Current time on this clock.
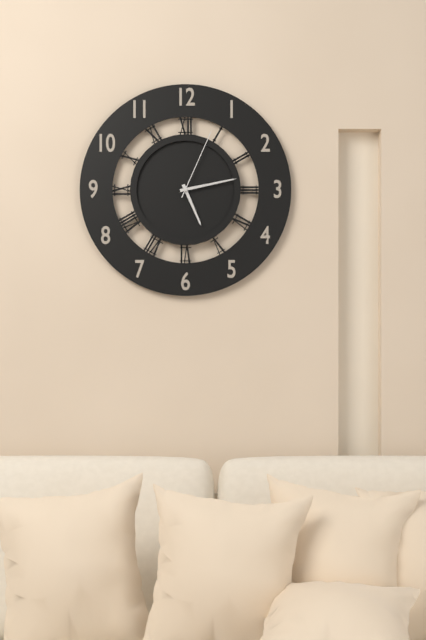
5:13:04
